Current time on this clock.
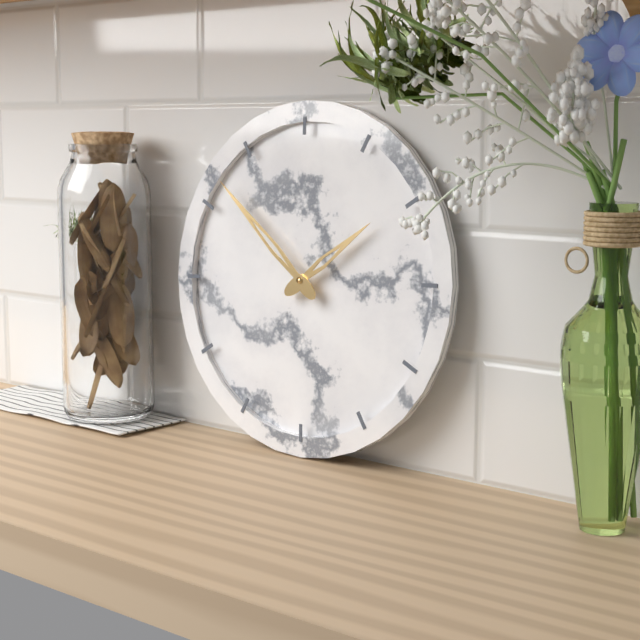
1:52
